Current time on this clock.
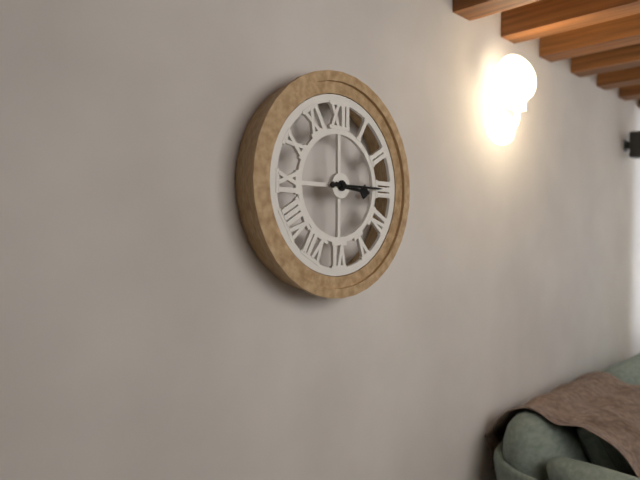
3:15
